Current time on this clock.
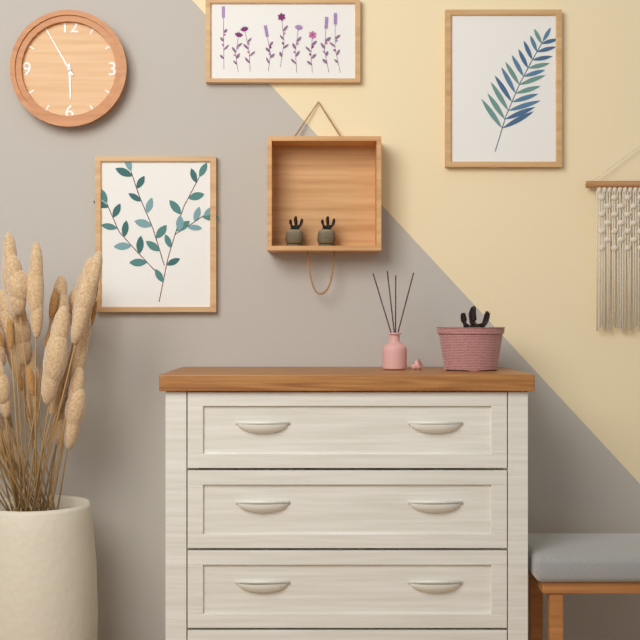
5:55
